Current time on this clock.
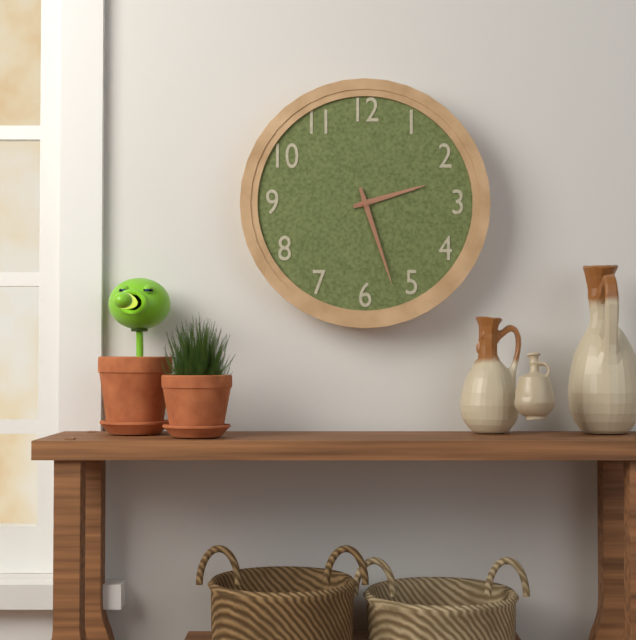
2:27
